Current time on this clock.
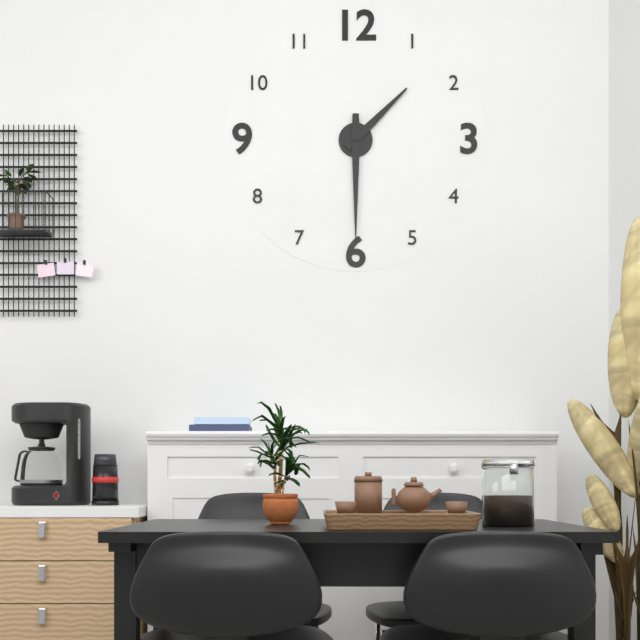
1:30
